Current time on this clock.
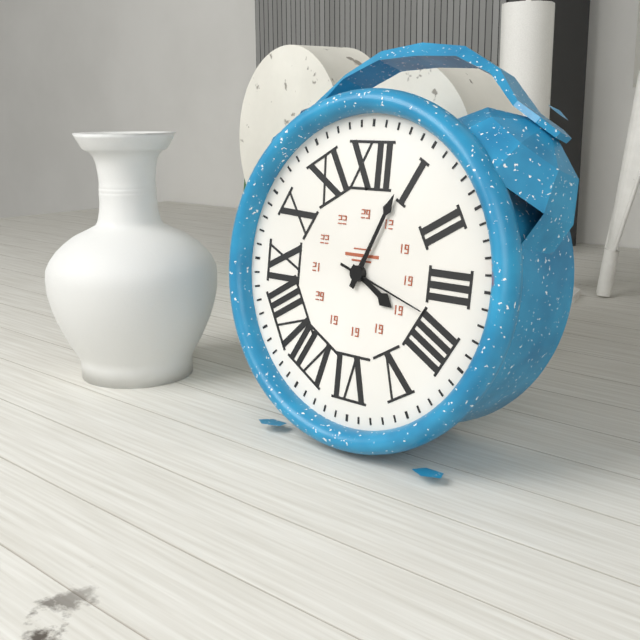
4:04:18
